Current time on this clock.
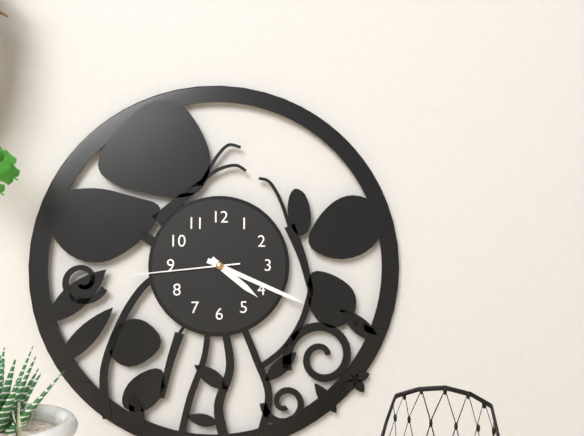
4:19:44
